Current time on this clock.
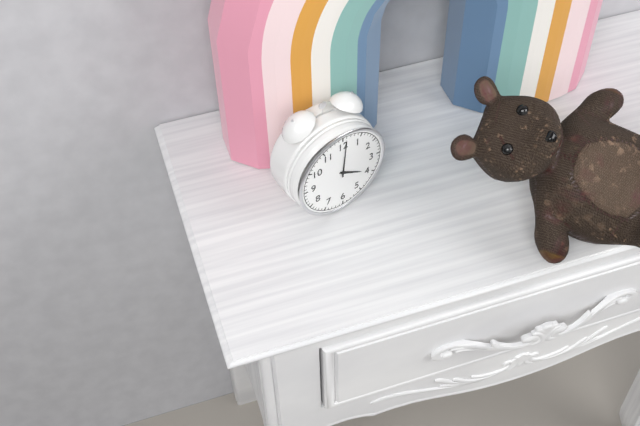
4:01
